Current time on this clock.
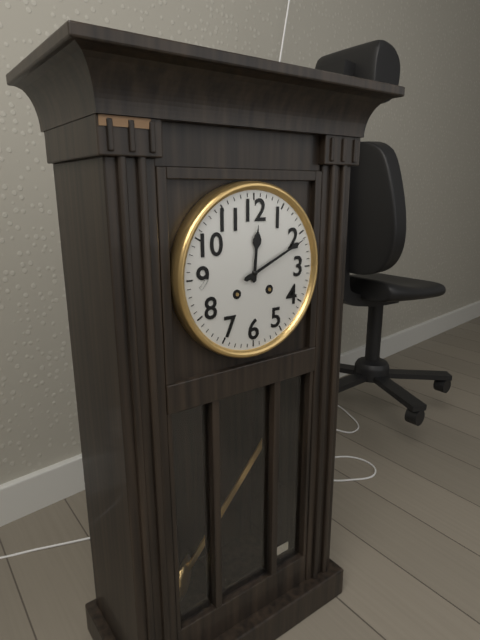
12:11
